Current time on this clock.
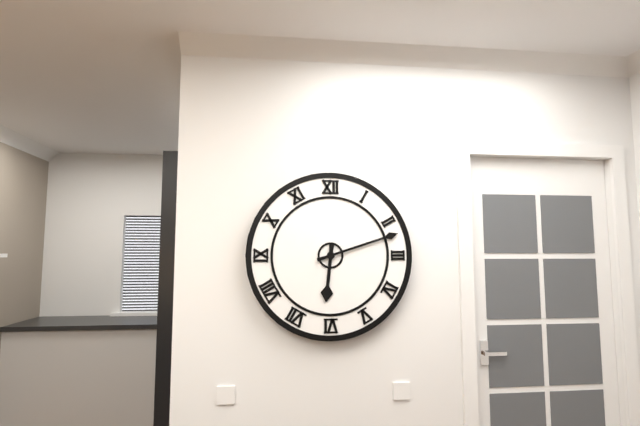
6:12
